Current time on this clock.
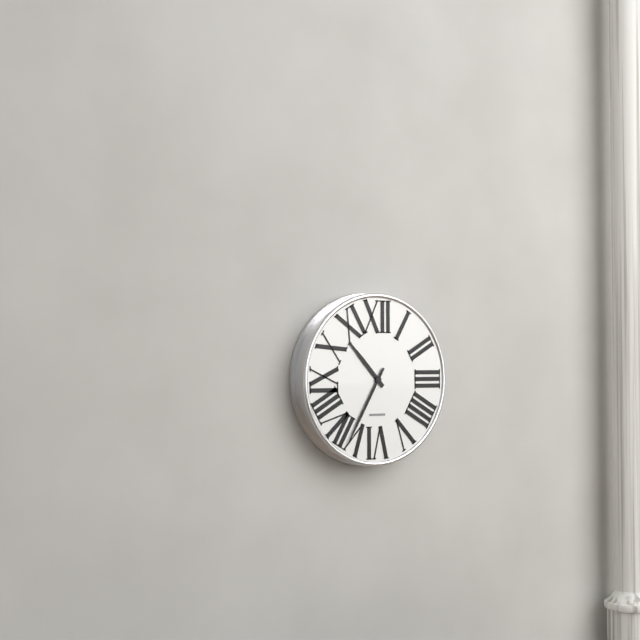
10:35
